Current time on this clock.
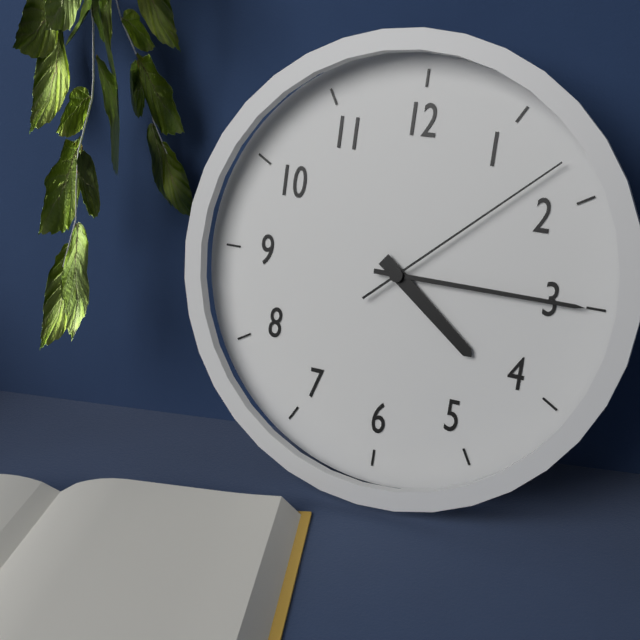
4:15:08
